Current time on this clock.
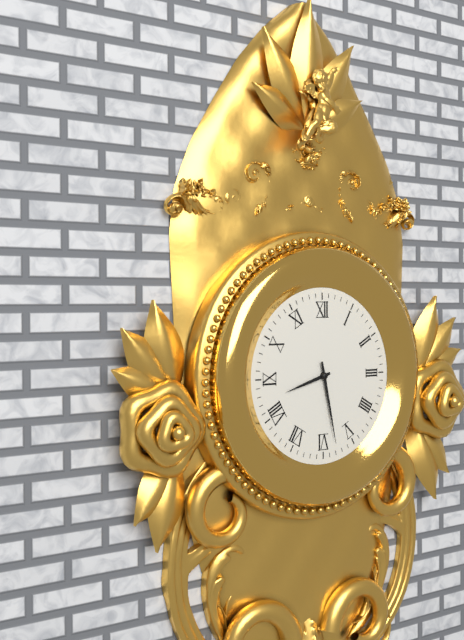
8:28
